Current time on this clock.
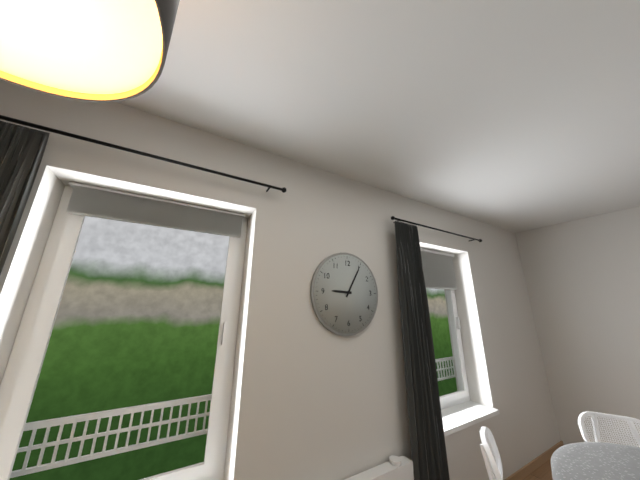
9:05
